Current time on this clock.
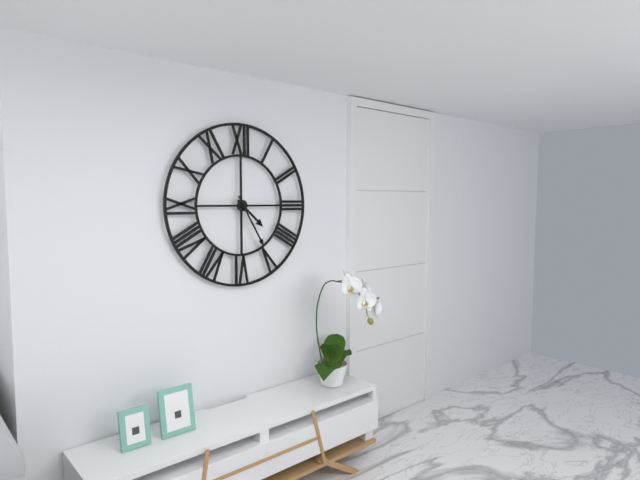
4:25
